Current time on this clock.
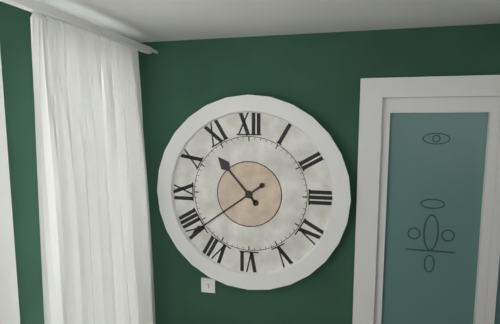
10:39
